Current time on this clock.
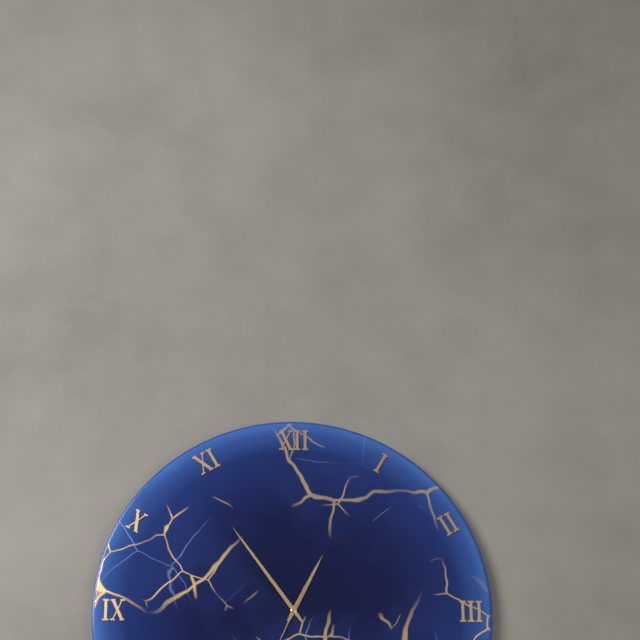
12:54
